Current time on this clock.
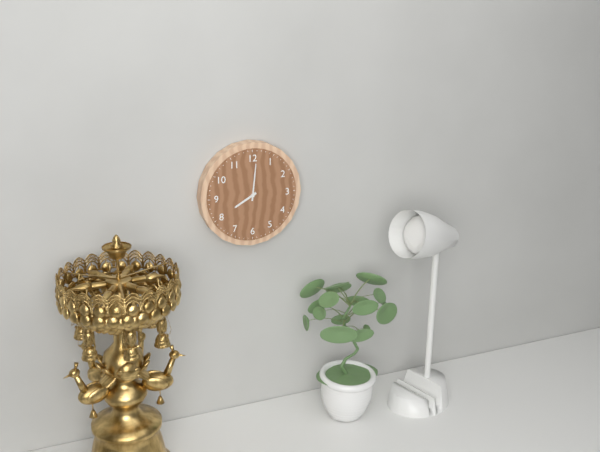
8:01
